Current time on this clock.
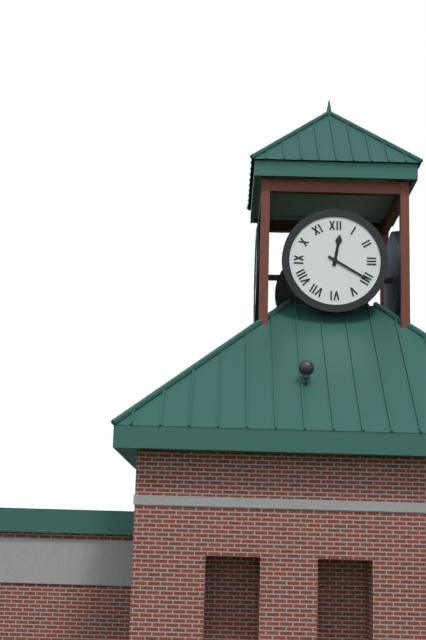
12:20
